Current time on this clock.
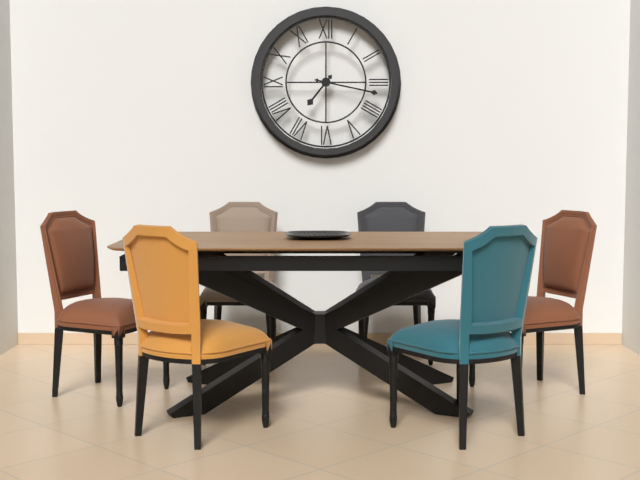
7:17
